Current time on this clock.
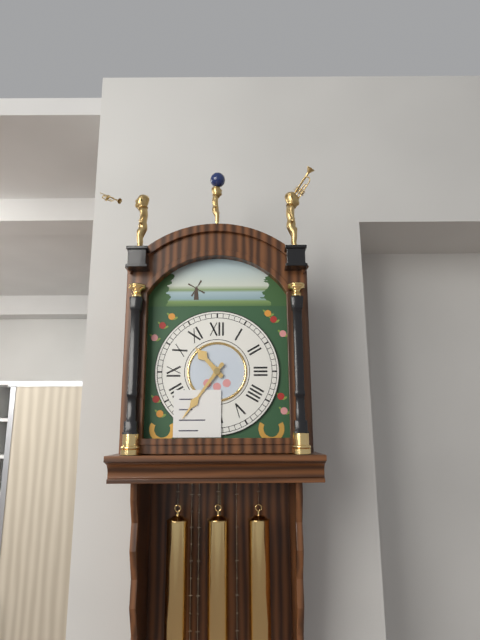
10:36
